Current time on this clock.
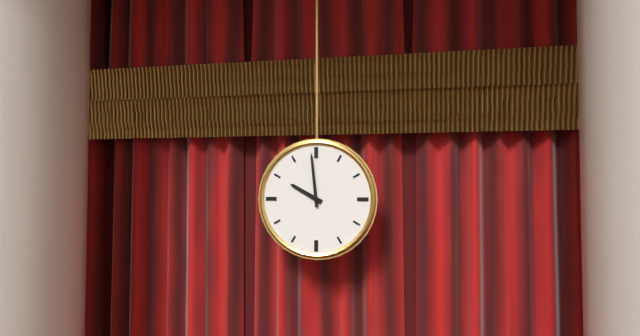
9:59
